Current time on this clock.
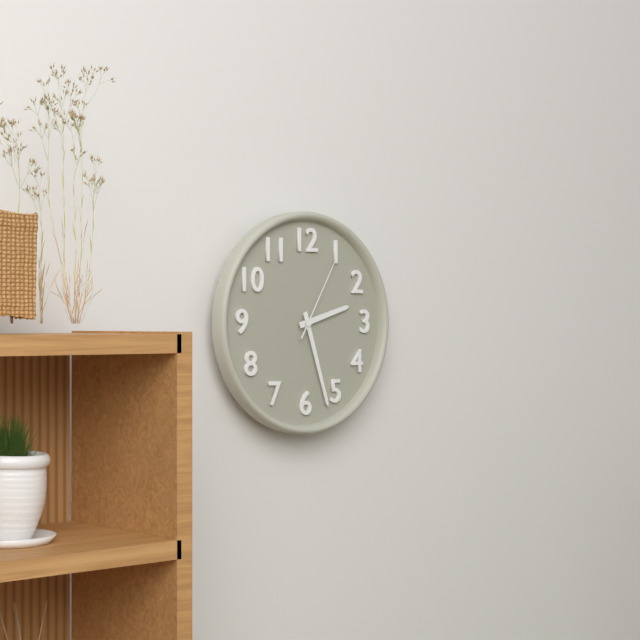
2:27:05
